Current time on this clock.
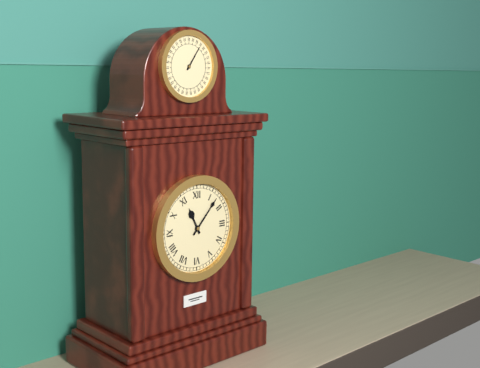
11:07
